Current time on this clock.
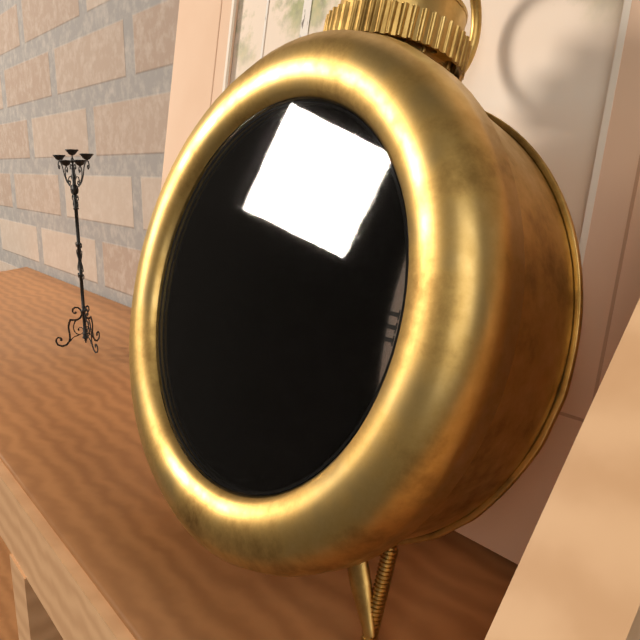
8:19:45
